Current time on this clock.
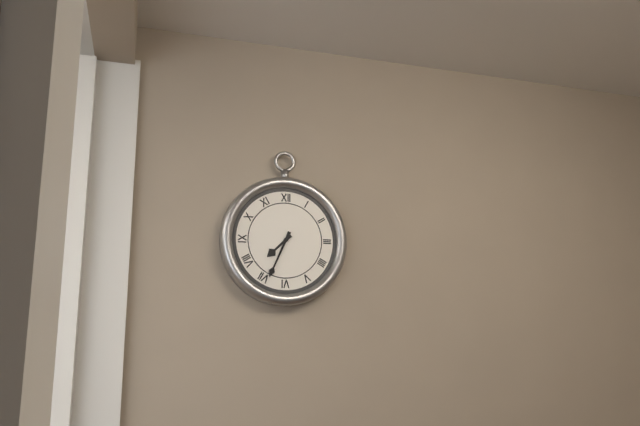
7:34
